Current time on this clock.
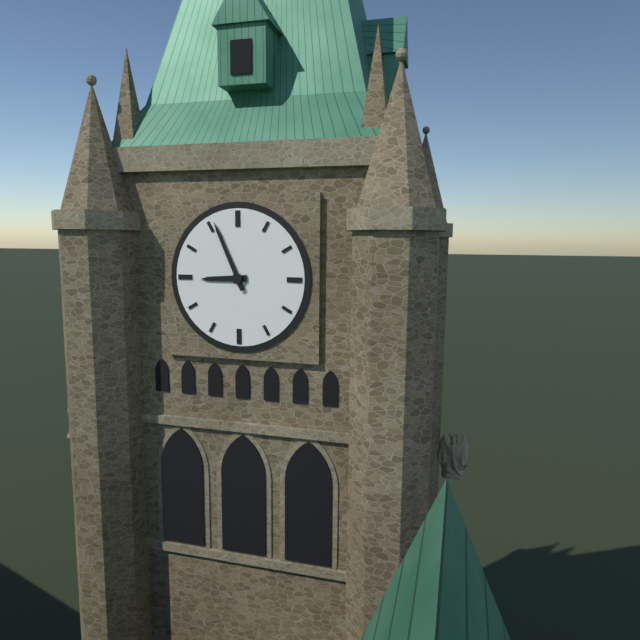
8:56
